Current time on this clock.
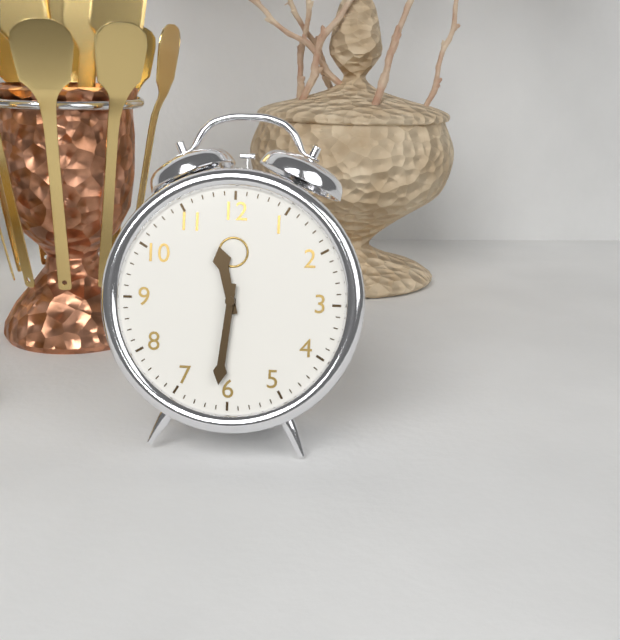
11:31
